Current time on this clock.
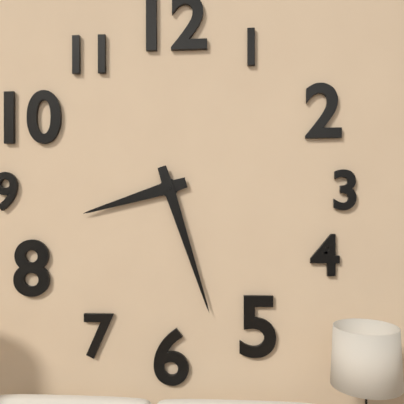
8:27
